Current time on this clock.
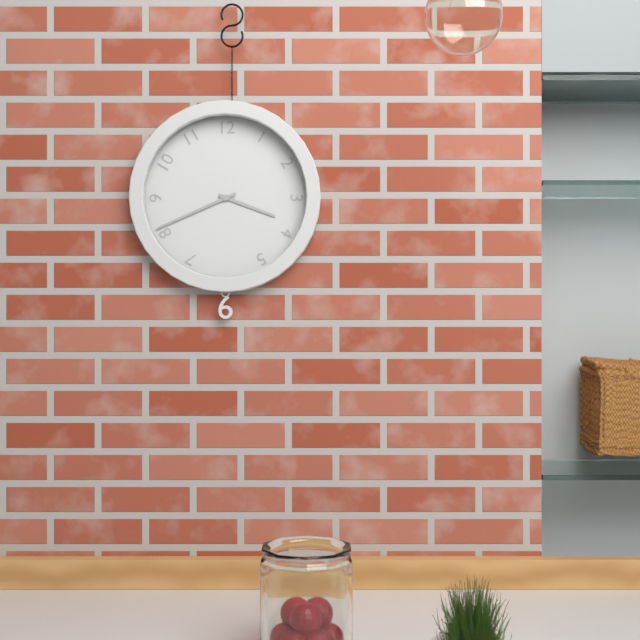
3:41
